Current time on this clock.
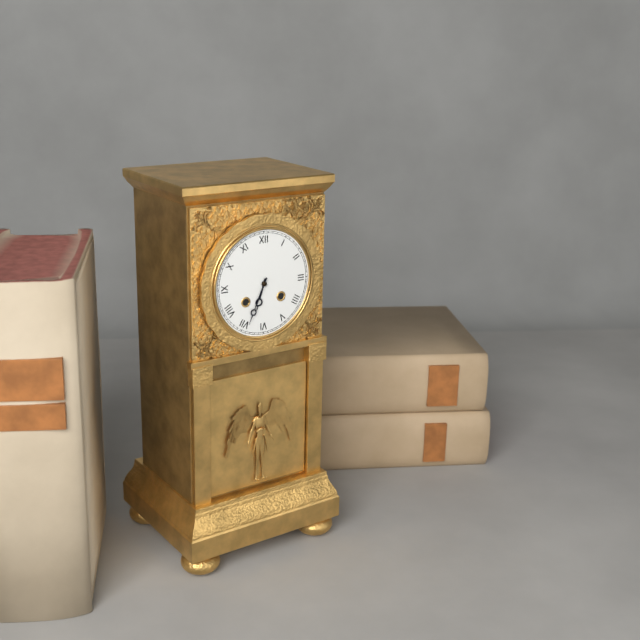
6:34
